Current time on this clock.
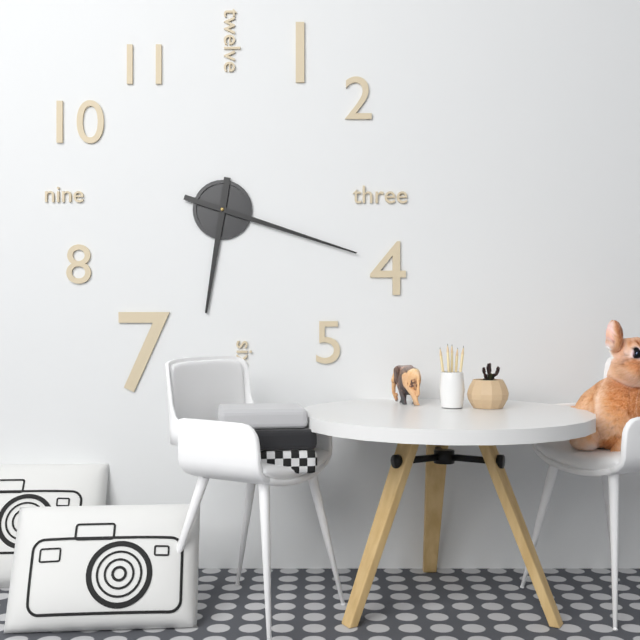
6:18
